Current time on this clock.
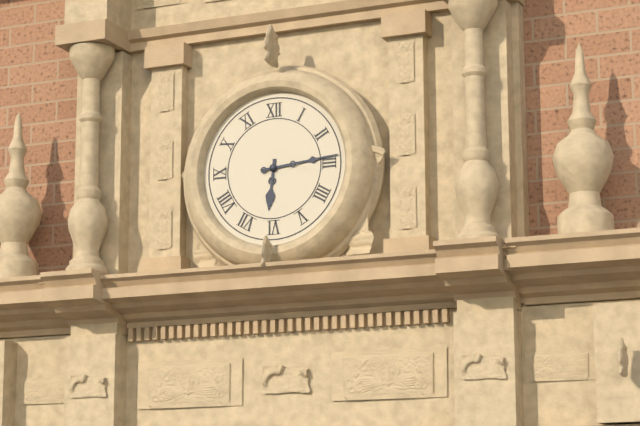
6:14
